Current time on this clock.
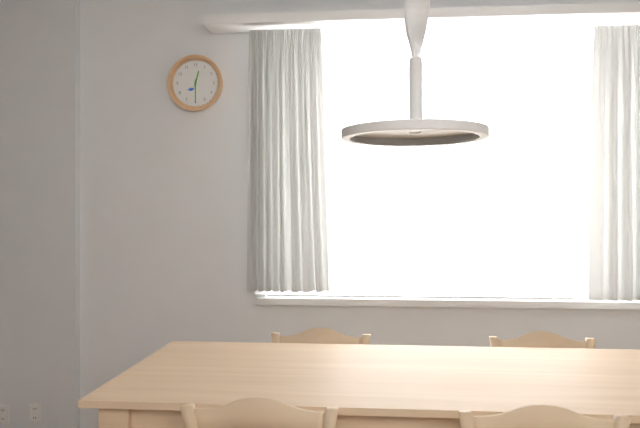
12:30
